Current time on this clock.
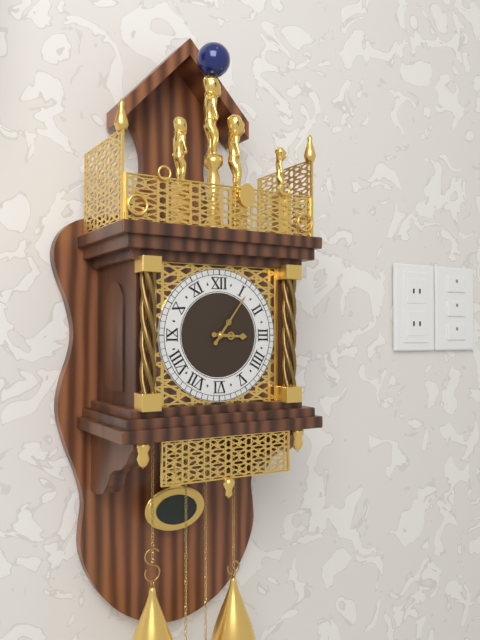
3:06
